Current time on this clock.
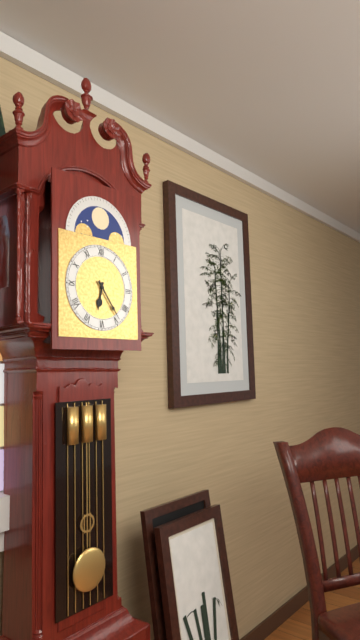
6:24
